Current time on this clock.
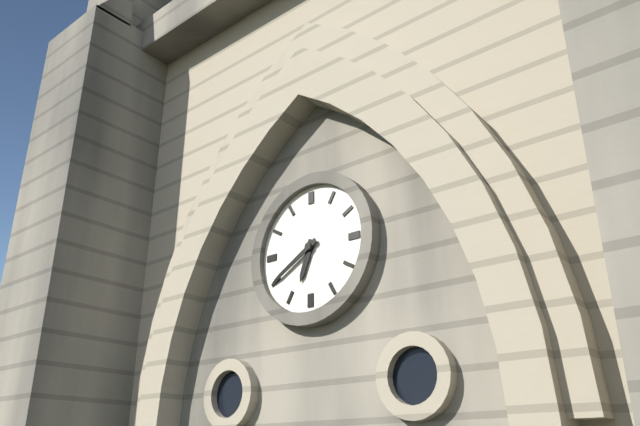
6:40
